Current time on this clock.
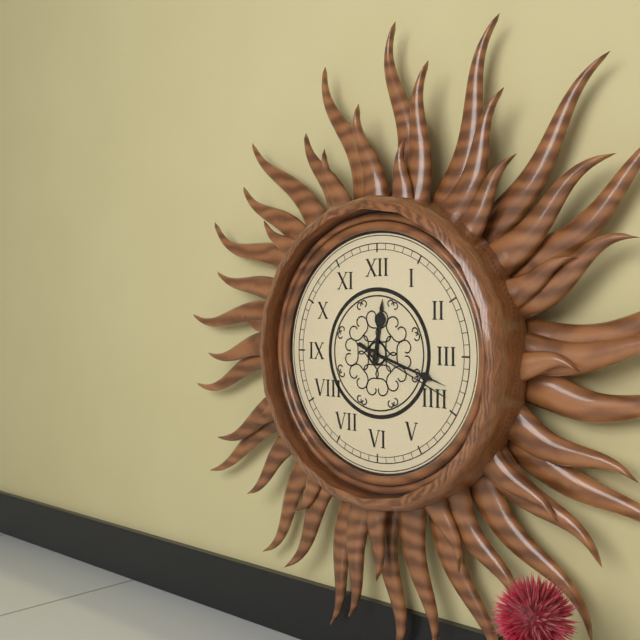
12:18:19
